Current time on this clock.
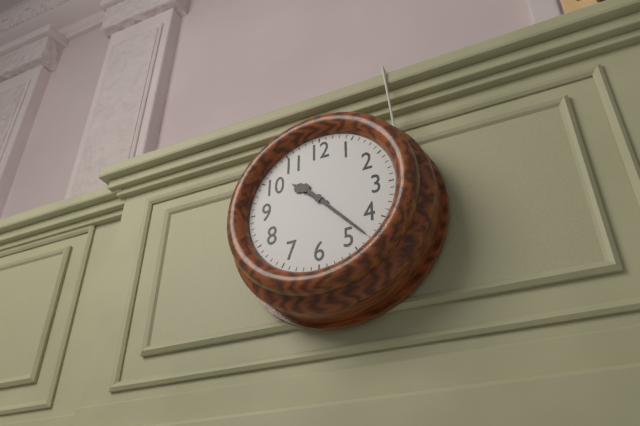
10:23
